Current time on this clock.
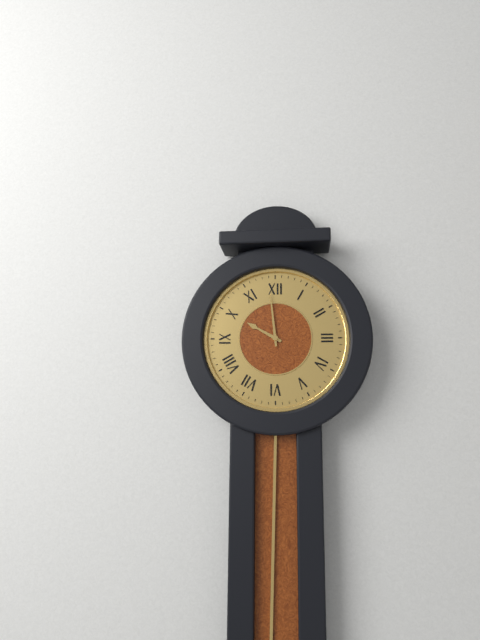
9:59
